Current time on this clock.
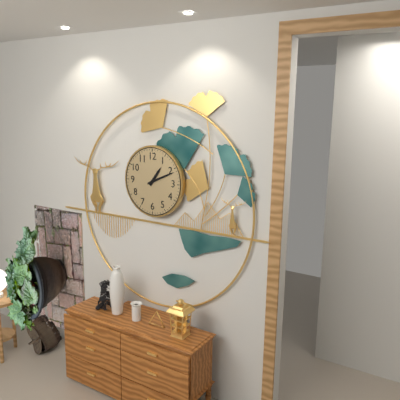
1:11
